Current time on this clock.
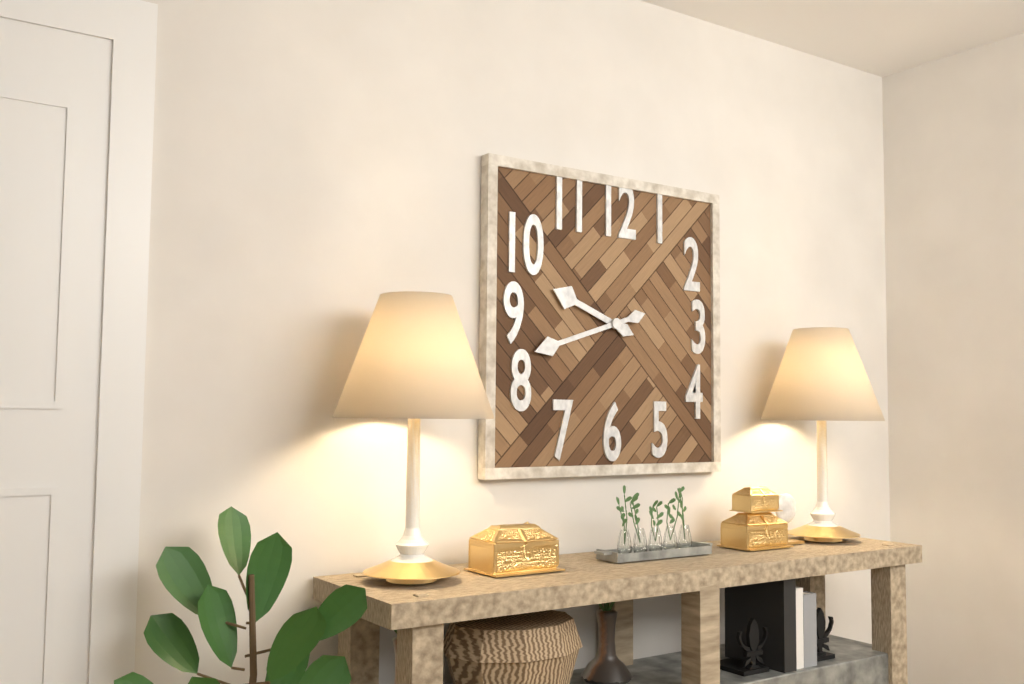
9:42
